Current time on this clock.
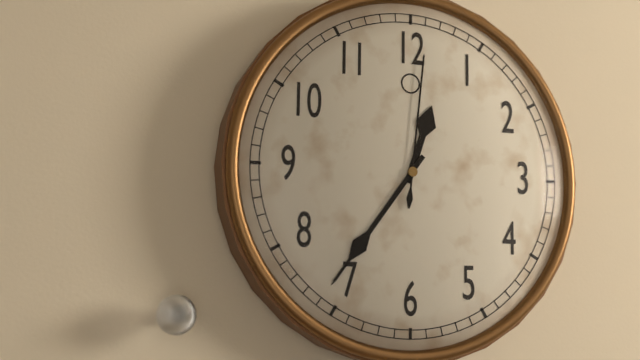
12:36:01
